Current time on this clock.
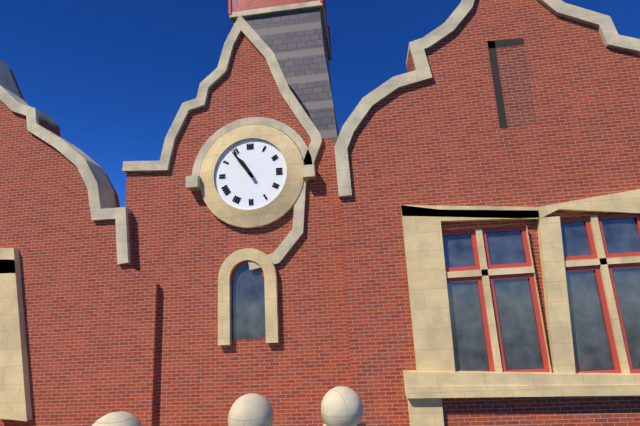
10:54
